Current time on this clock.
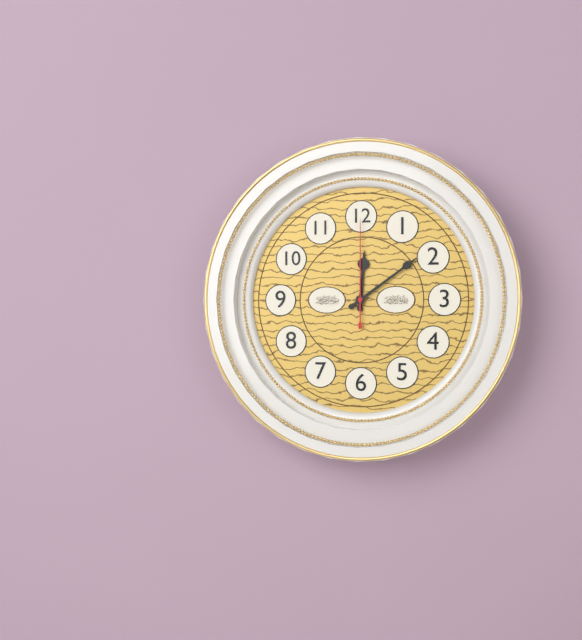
12:09:00
